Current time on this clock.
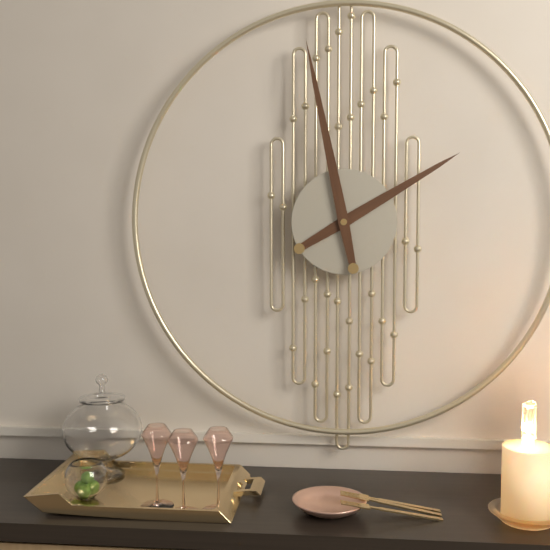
1:58
